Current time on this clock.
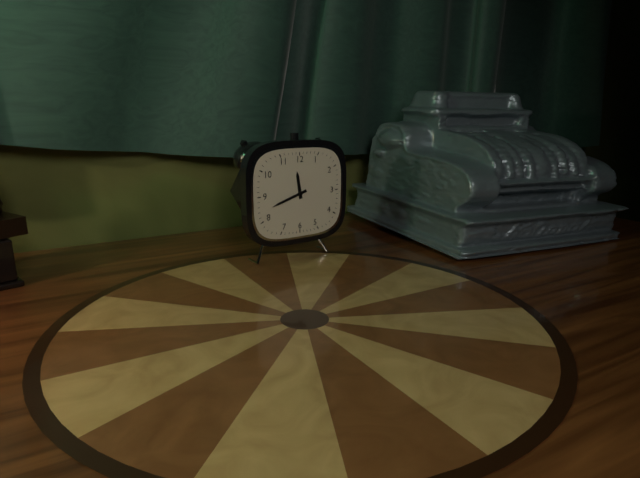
11:42
